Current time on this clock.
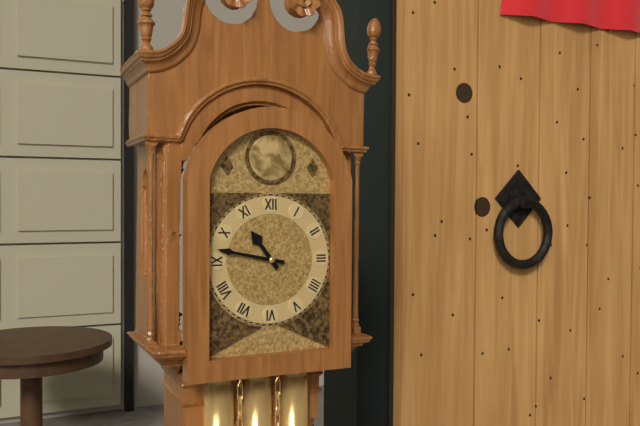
10:47
